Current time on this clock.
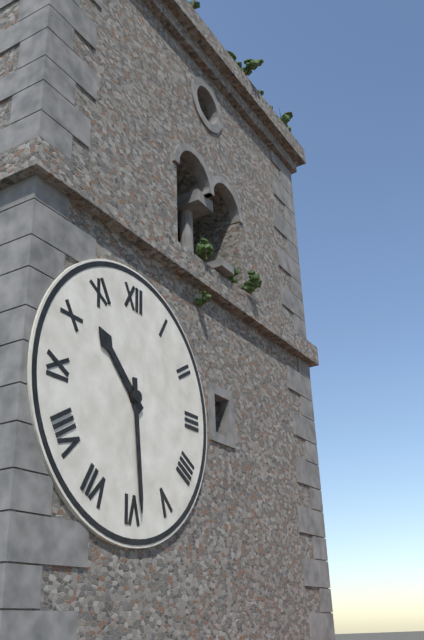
10:29
